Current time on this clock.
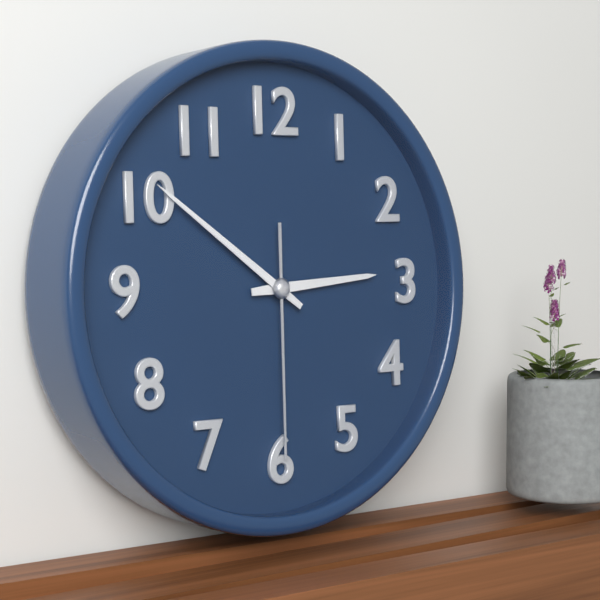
2:51:30
